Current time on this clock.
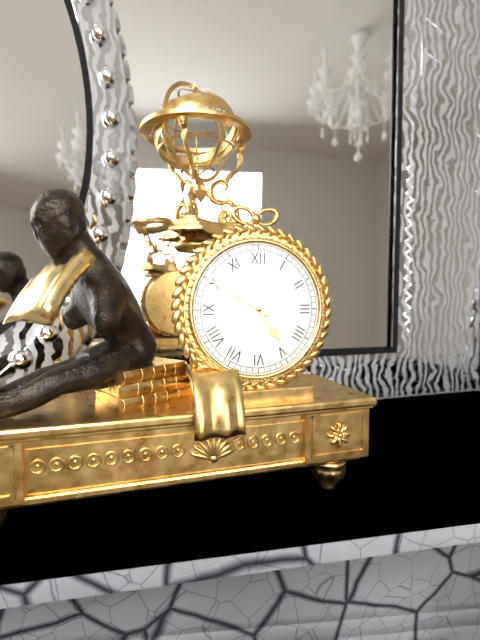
4:50
